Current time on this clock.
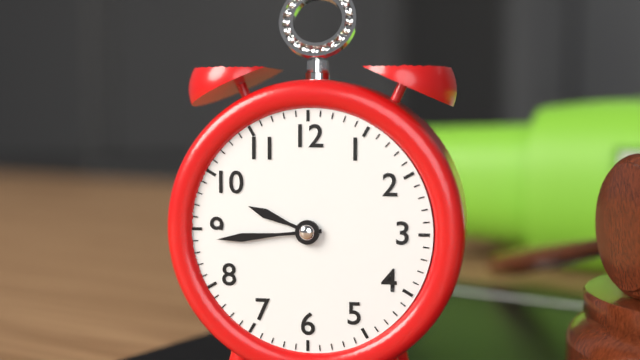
9:44
